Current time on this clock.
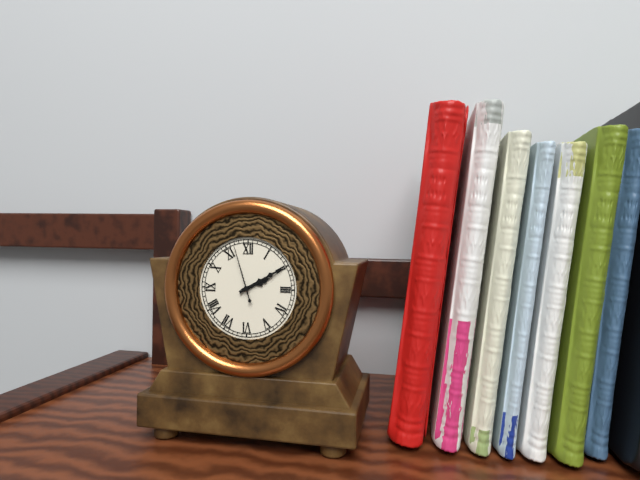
2:10:57
